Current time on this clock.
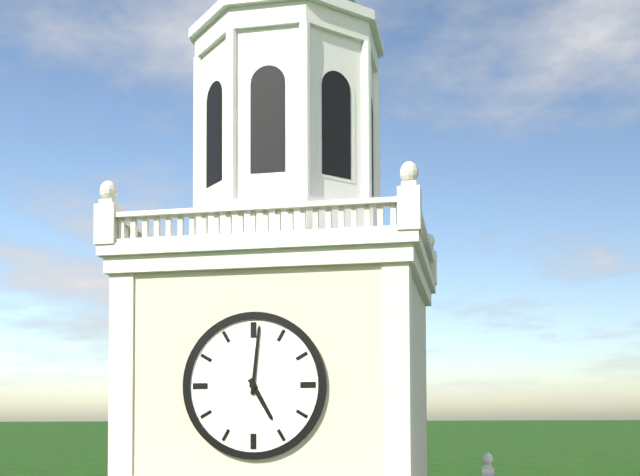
5:01
